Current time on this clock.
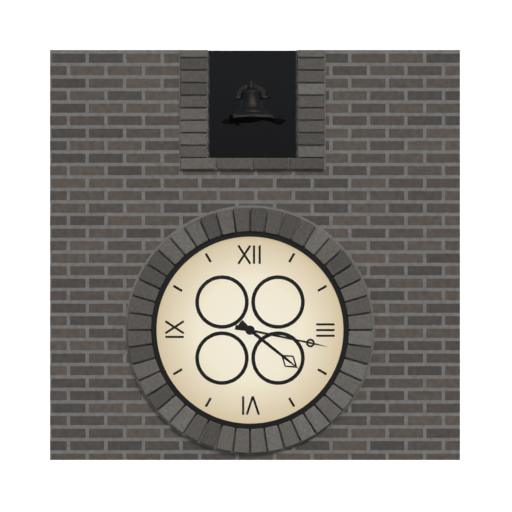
4:17
